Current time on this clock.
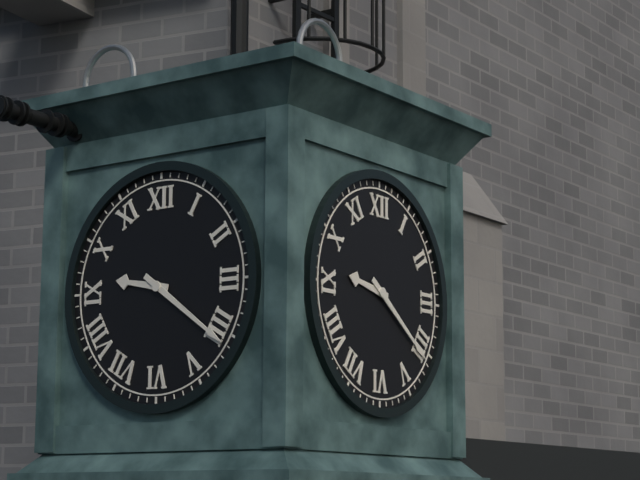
9:21
